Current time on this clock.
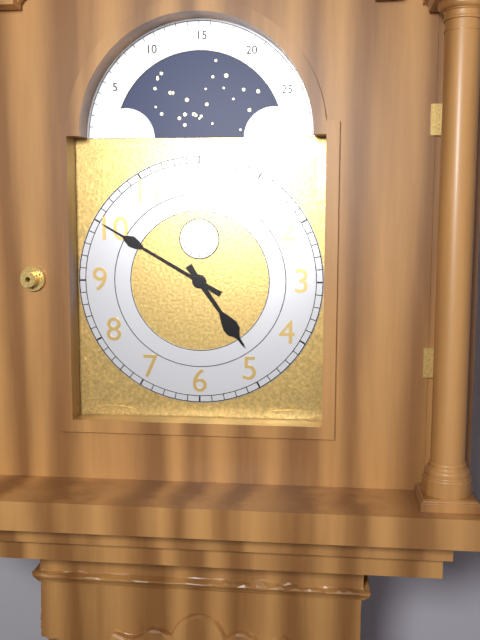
4:50
